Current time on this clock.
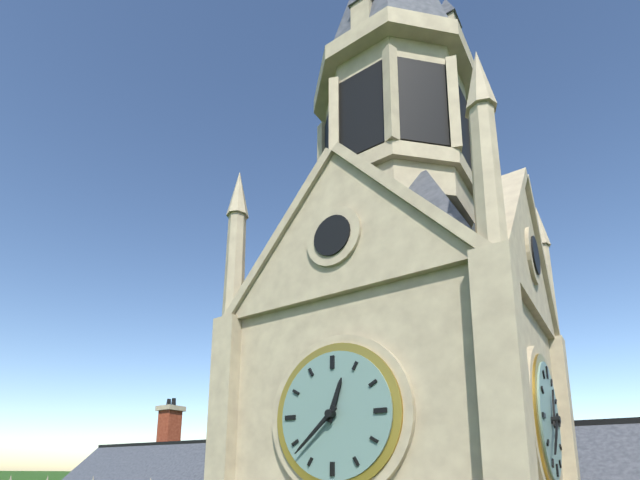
12:38
